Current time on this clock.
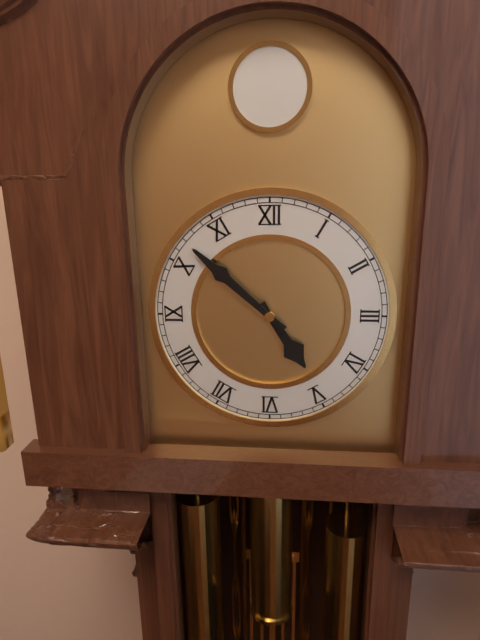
4:52
